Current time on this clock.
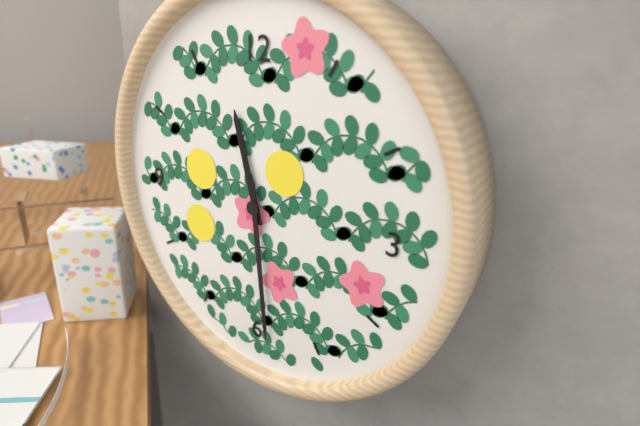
11:29
